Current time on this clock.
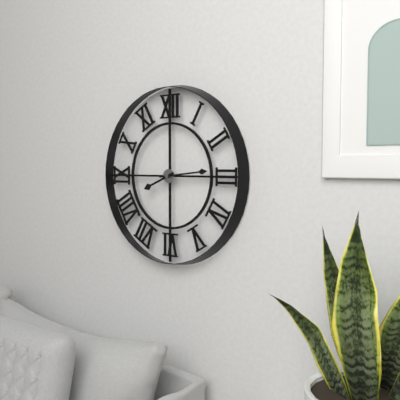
8:14
